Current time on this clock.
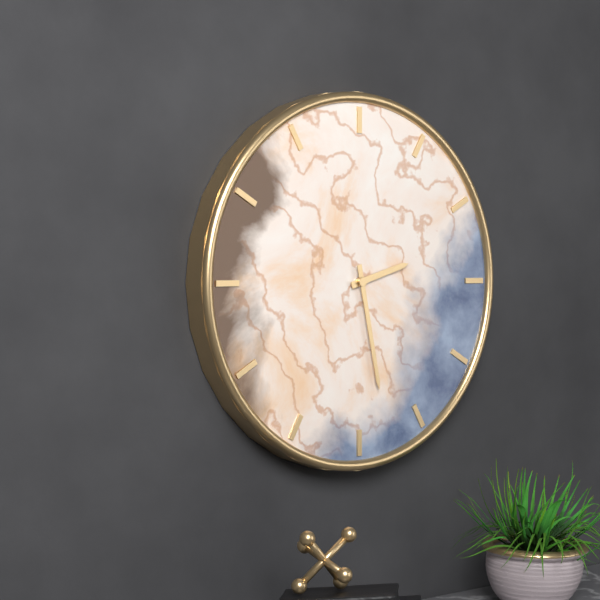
2:28
